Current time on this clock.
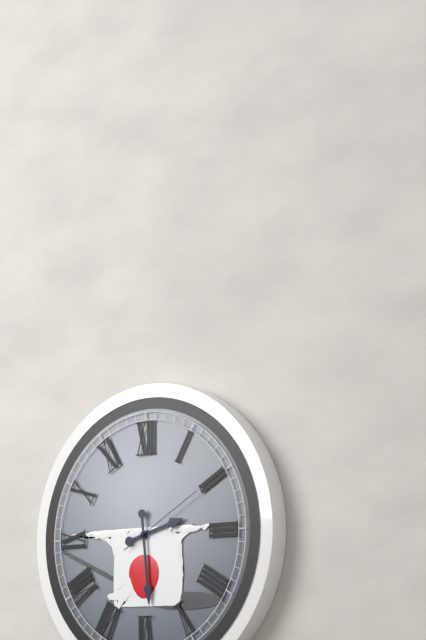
2:29:10
